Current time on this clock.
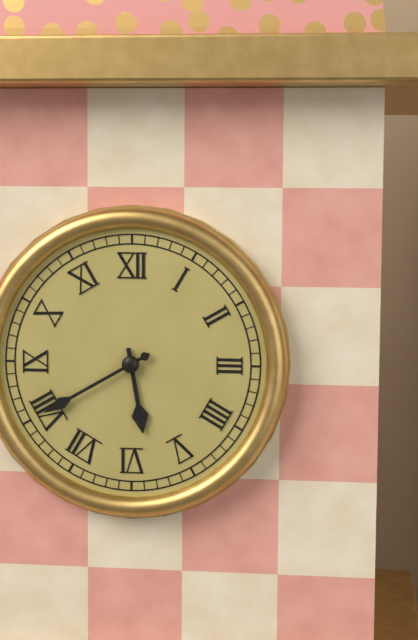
5:40
